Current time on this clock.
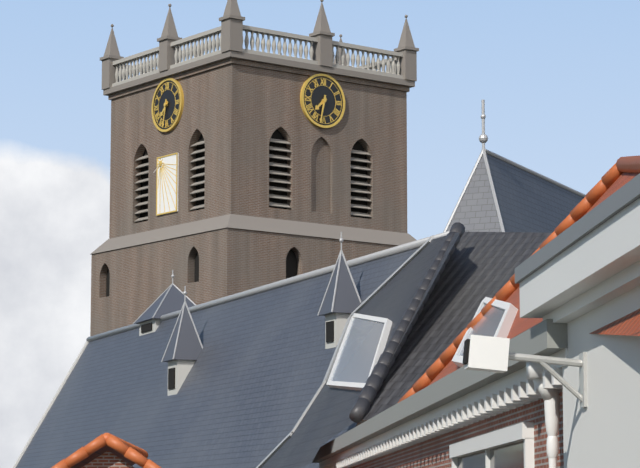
7:32
